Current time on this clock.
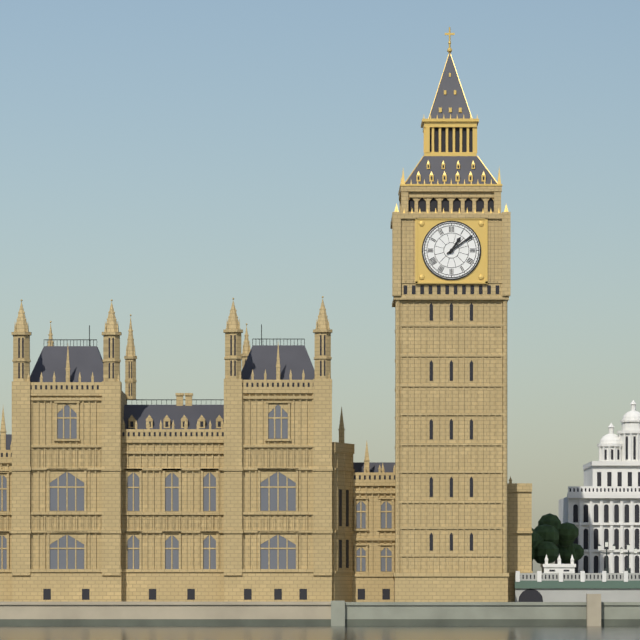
1:09
